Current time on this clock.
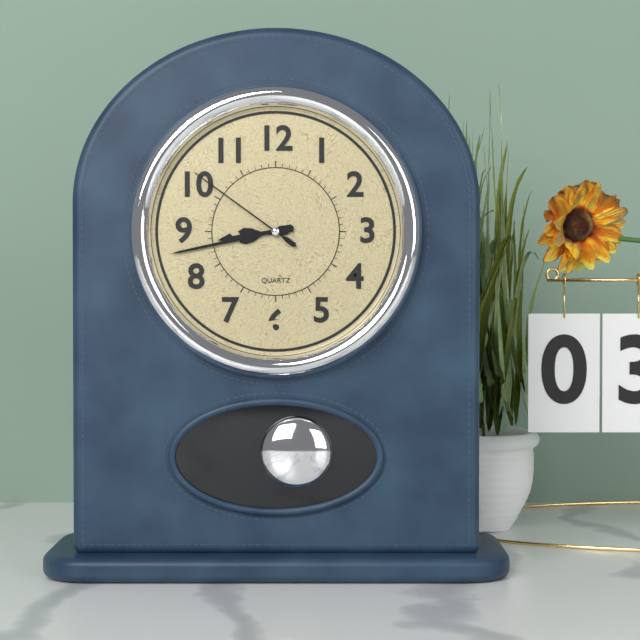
8:43:51
